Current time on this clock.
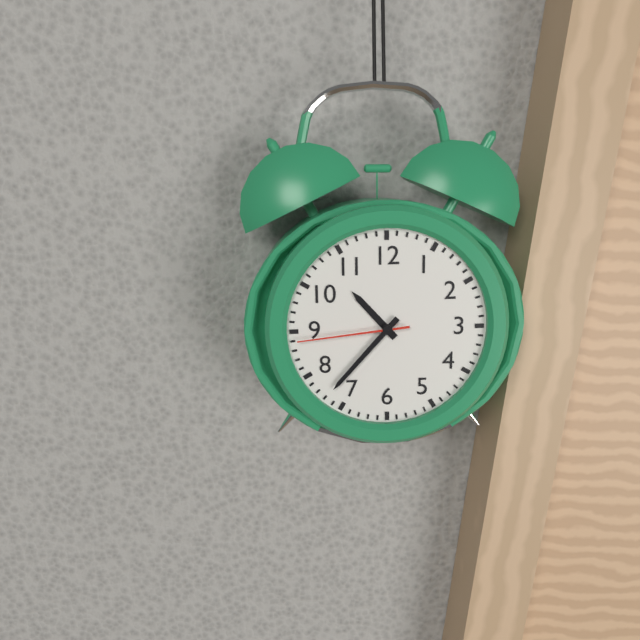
10:37:44
